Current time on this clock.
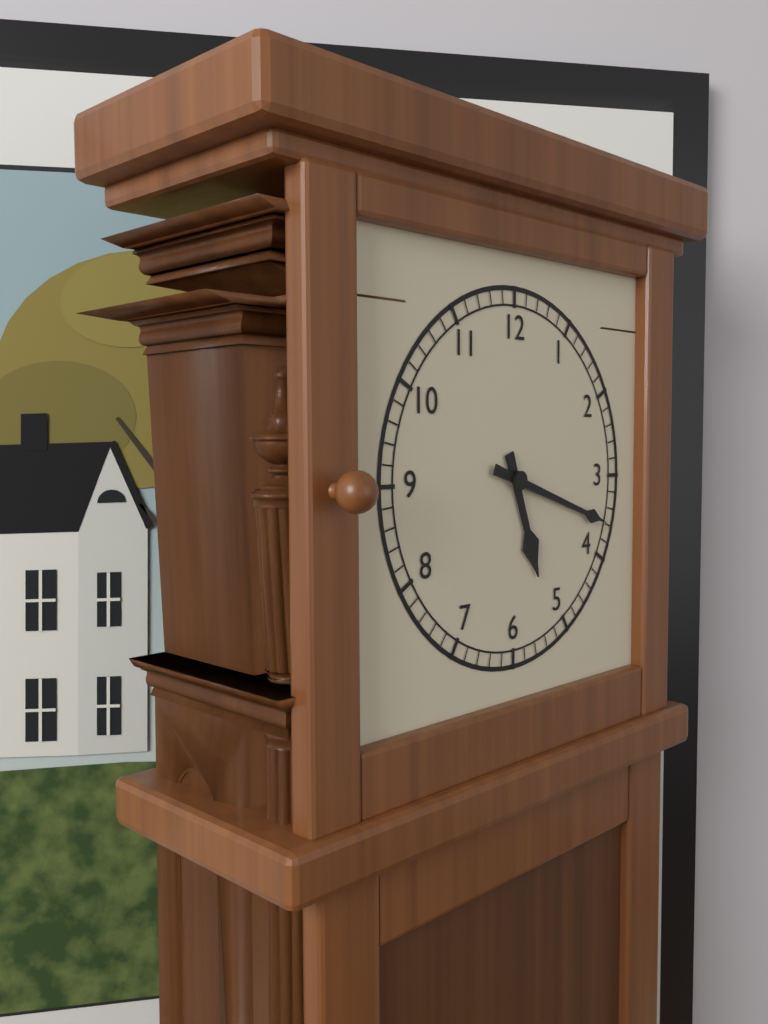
5:18
